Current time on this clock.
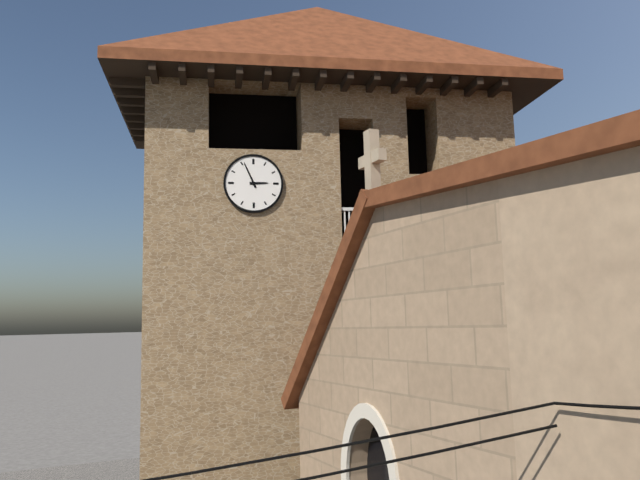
2:56
